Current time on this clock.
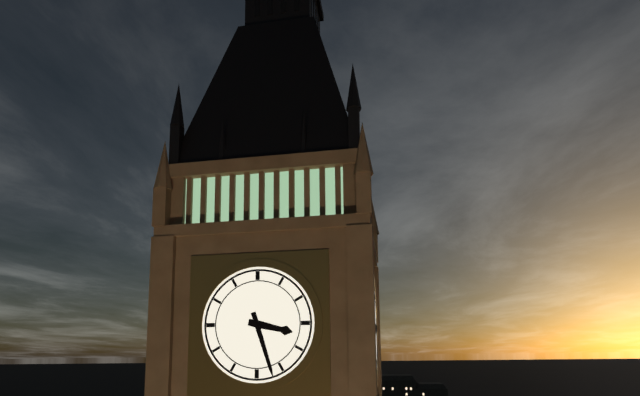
3:27
